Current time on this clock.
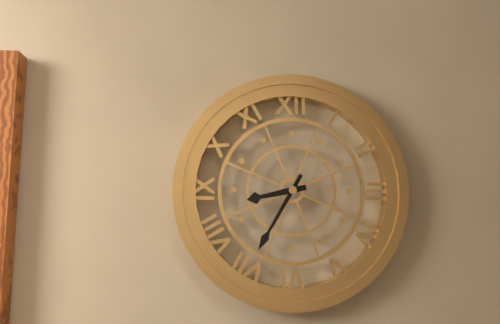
8:35
